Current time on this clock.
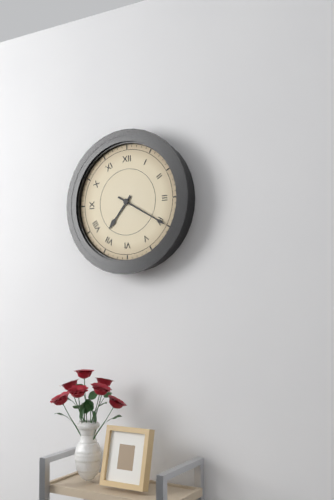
7:20
